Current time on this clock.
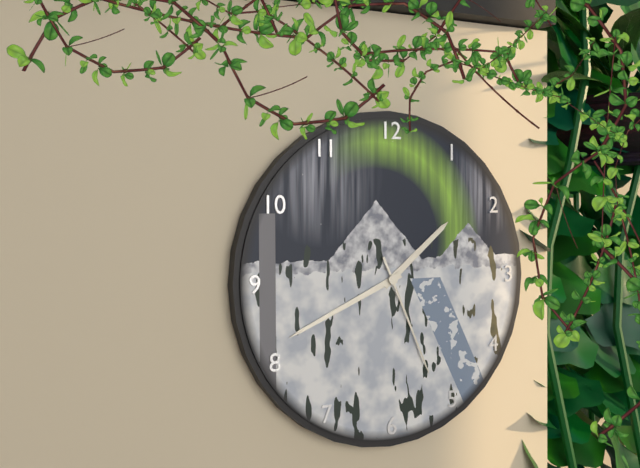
1:41:26
